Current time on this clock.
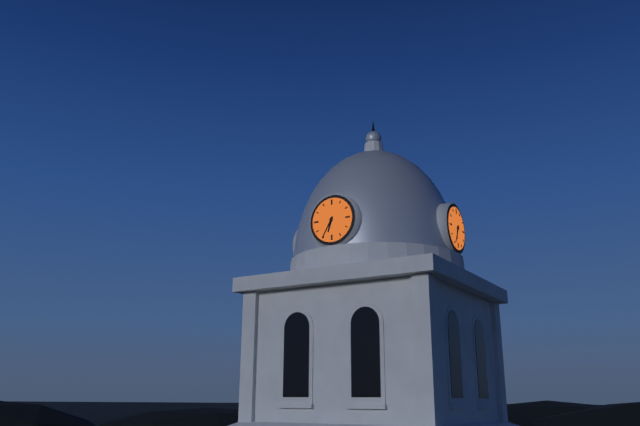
6:35
